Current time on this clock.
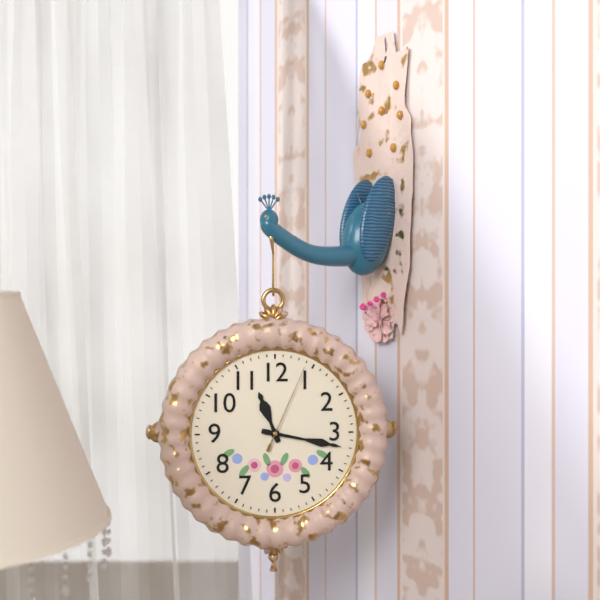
11:17:04
